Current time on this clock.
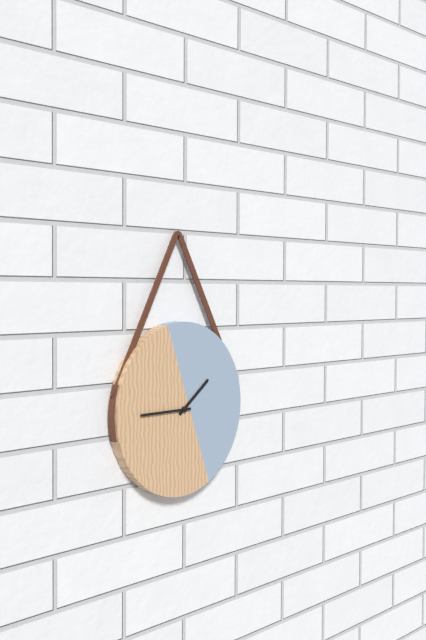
1:45
